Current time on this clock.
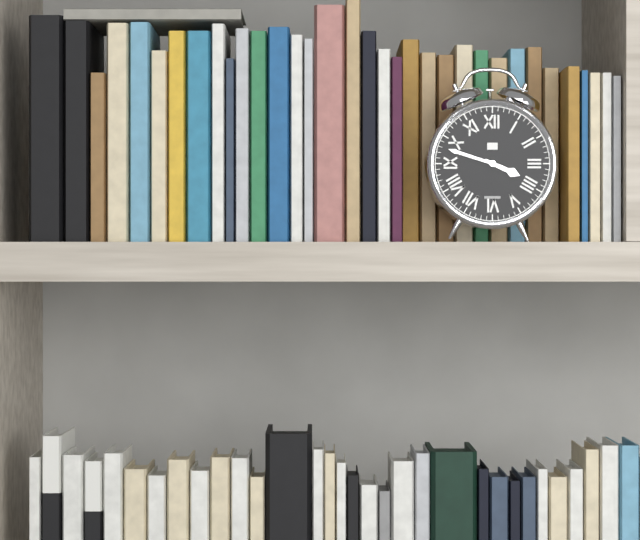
3:48
